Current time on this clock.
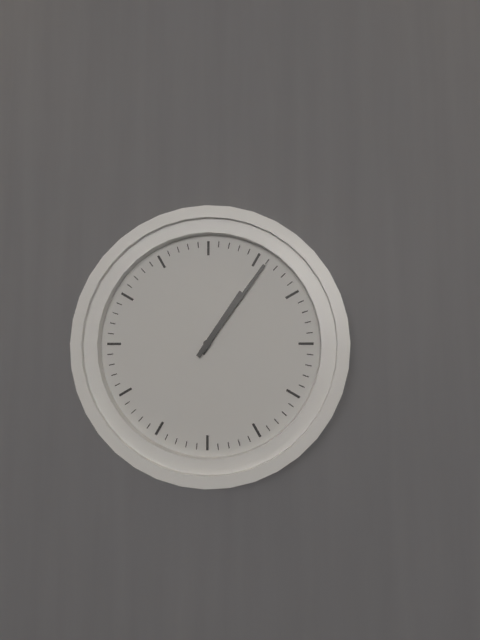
1:06
